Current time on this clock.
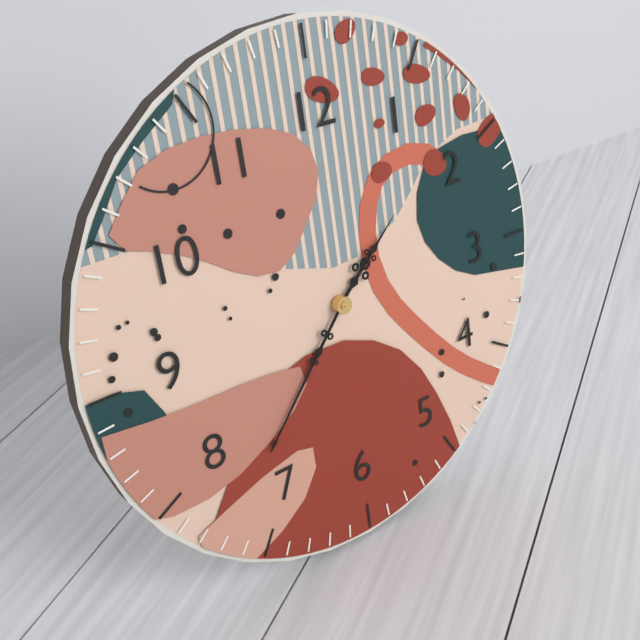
1:37
